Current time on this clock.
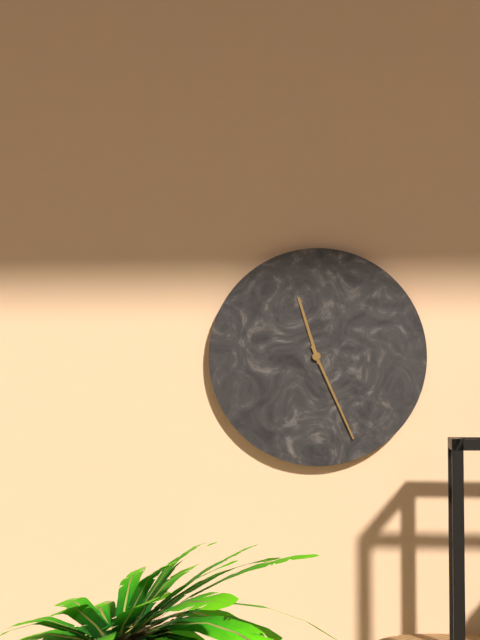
11:26
